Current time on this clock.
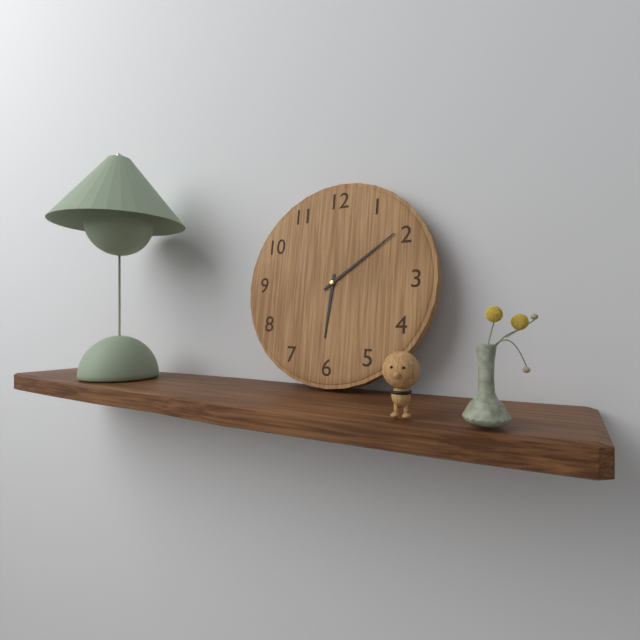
6:09
